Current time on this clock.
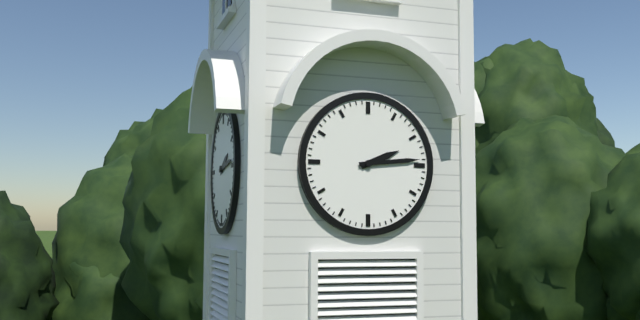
2:14
